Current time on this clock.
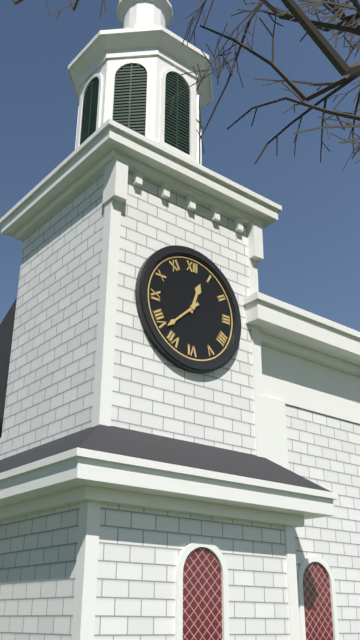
12:38
